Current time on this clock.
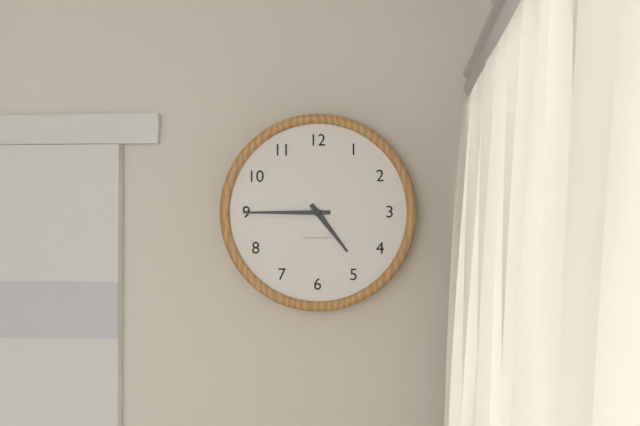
4:45
